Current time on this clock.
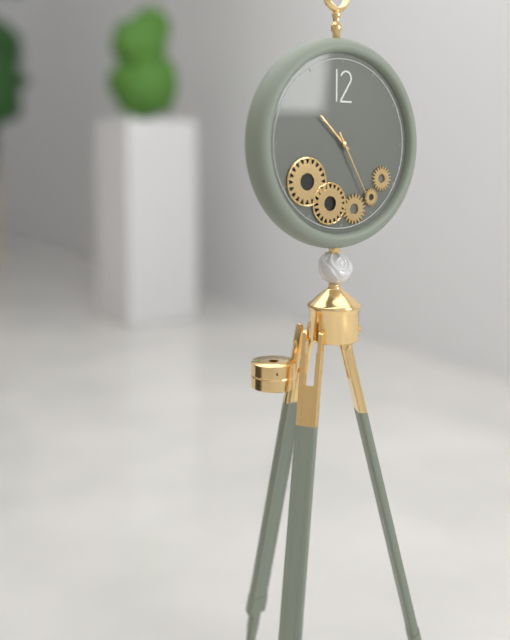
10:25
